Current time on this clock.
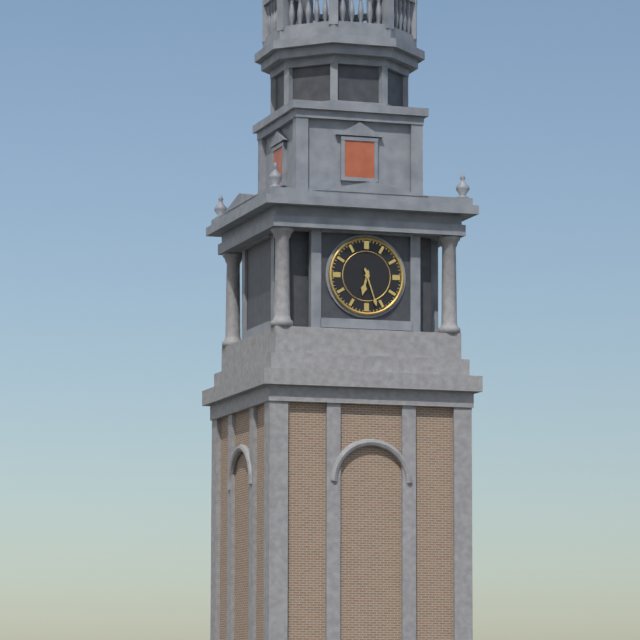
6:27
